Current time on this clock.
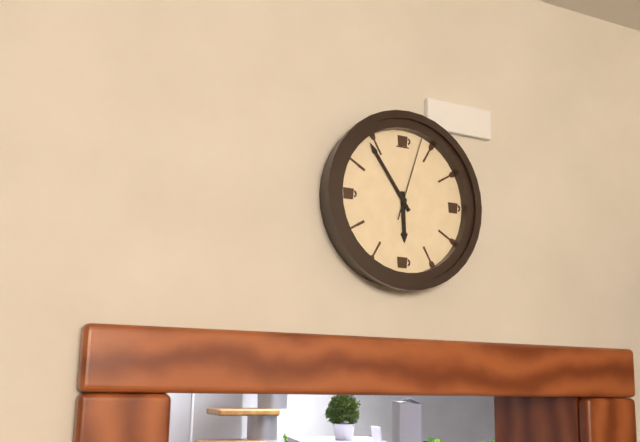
5:54:03
